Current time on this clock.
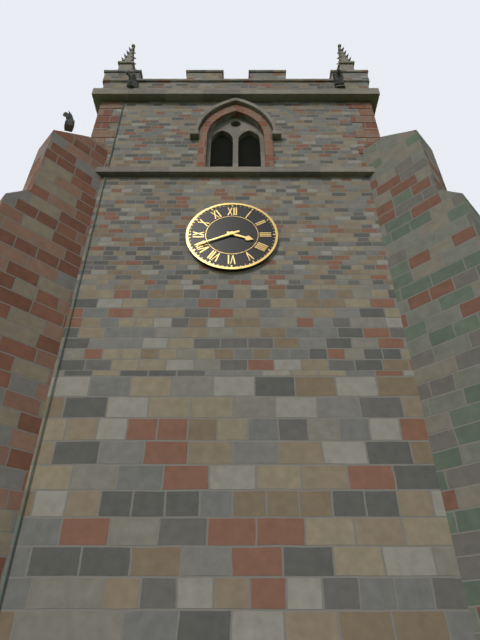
3:41
